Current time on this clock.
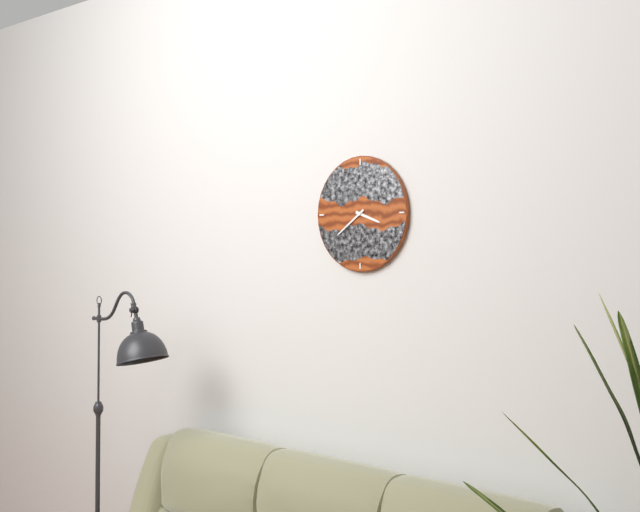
3:39
